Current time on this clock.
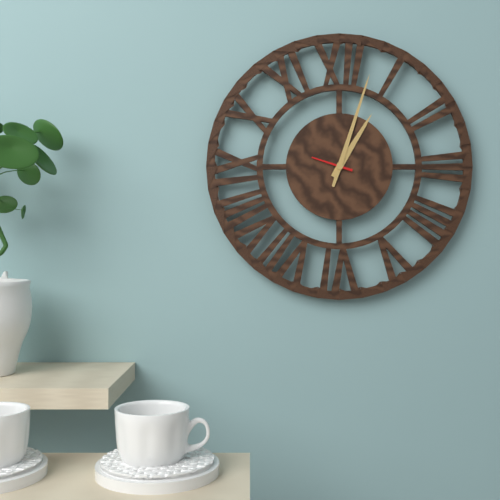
1:03
